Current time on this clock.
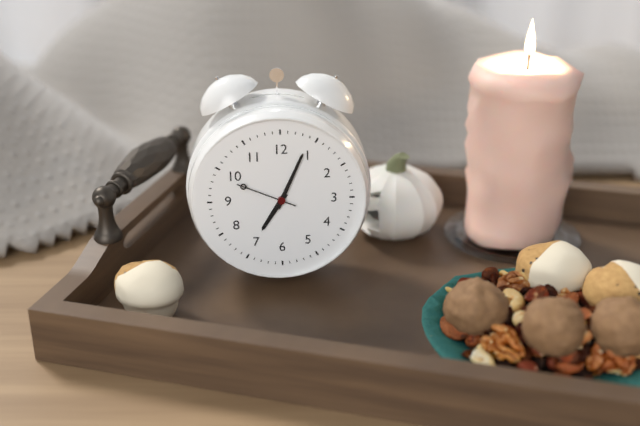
7:04:49
